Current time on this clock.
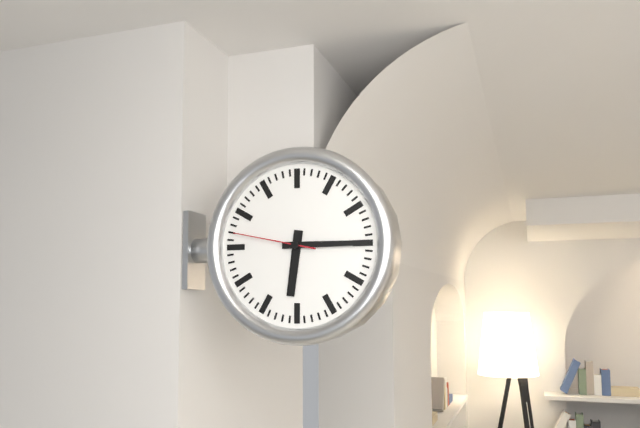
6:15:47
